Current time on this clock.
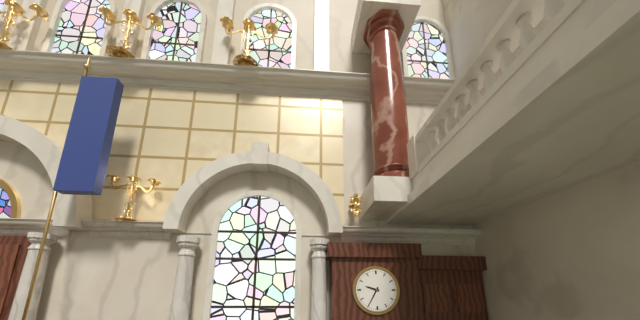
9:35
